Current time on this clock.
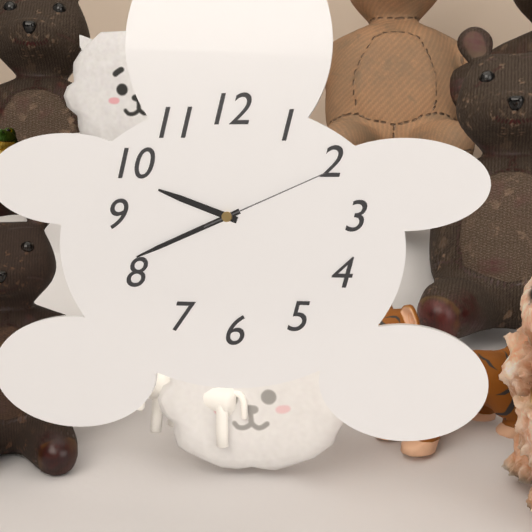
9:41:11
